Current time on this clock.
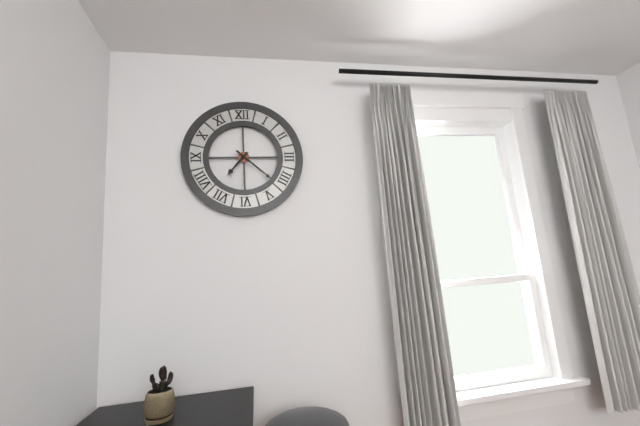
7:22
